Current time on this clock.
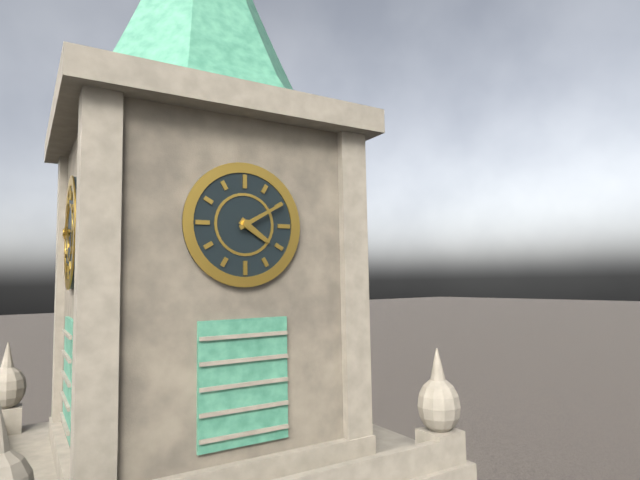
4:10
